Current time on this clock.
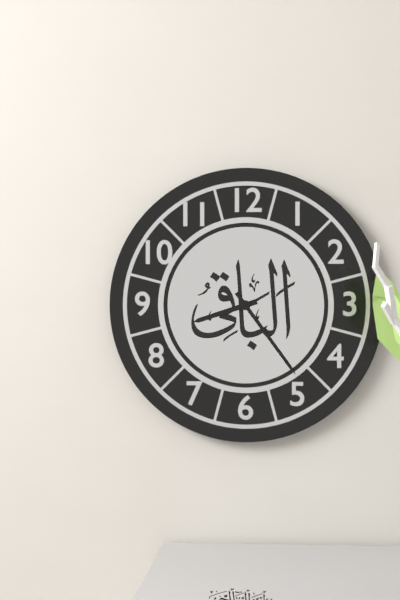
8:24
